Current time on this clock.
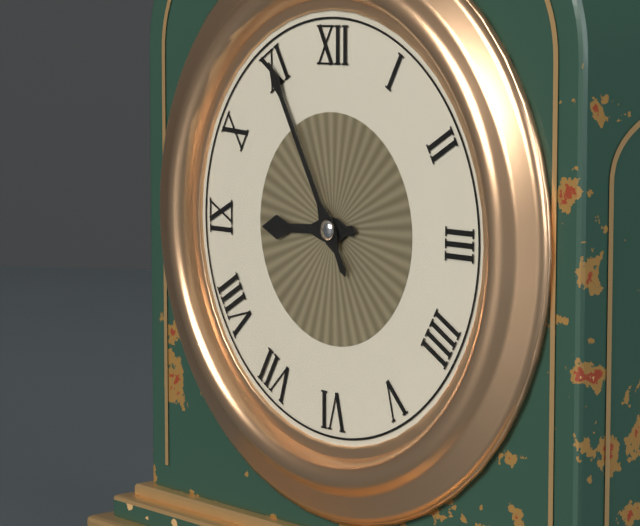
8:55
